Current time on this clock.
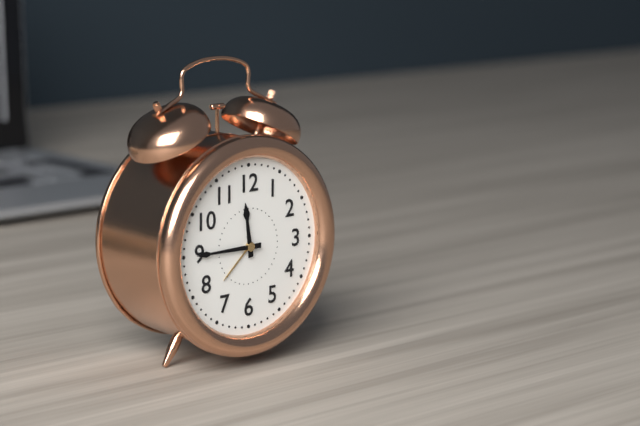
11:45
